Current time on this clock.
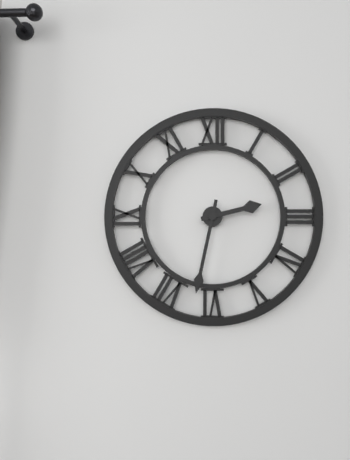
2:32
